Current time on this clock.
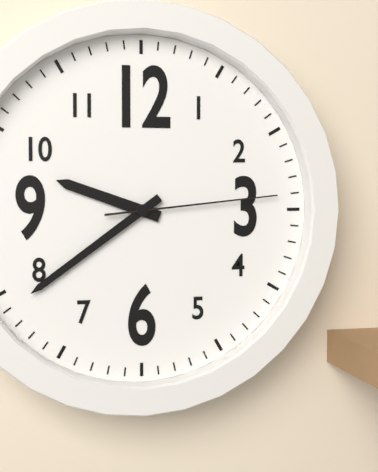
9:39:14
